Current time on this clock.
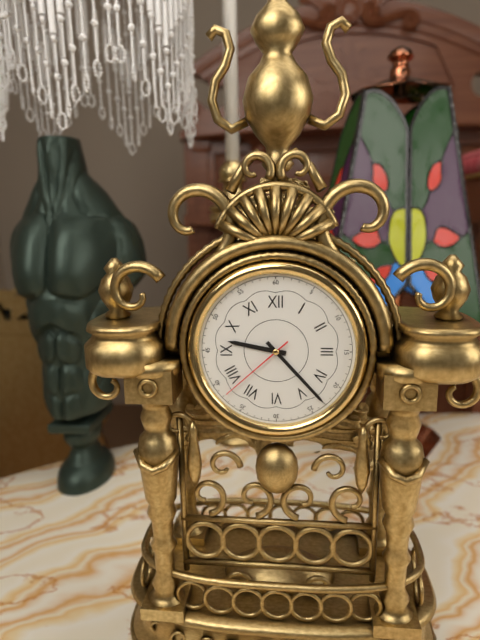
9:23:38
